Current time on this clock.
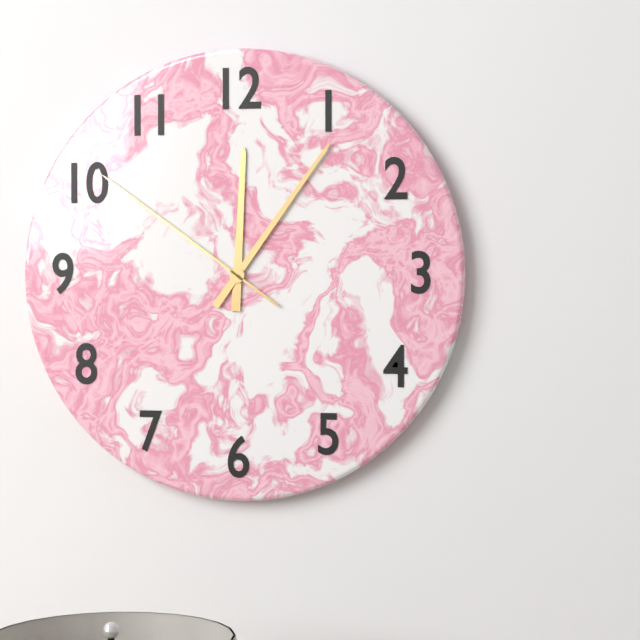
12:06:51
